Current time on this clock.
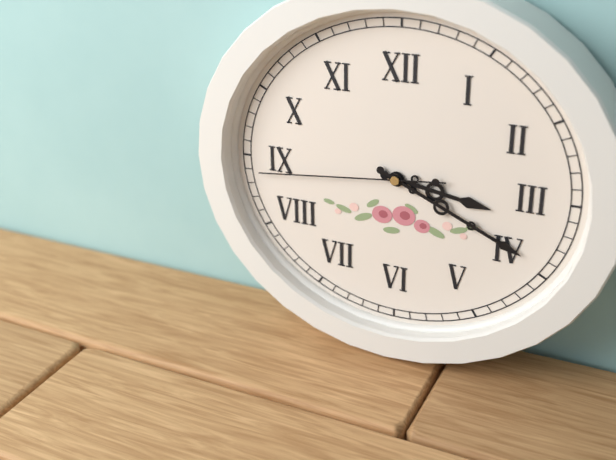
3:19:44
